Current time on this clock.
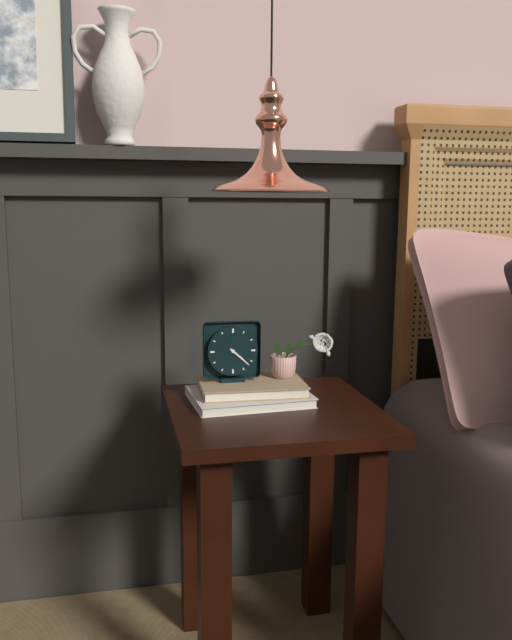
4:22
